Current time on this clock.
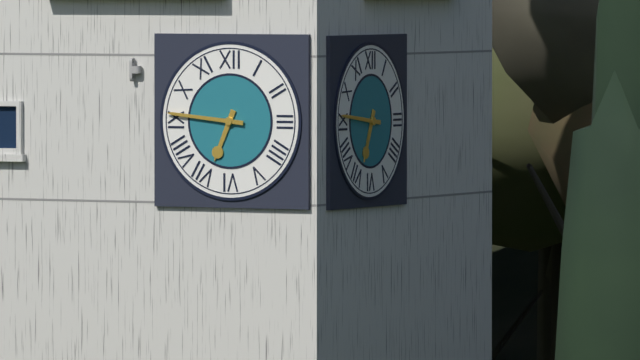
6:46
